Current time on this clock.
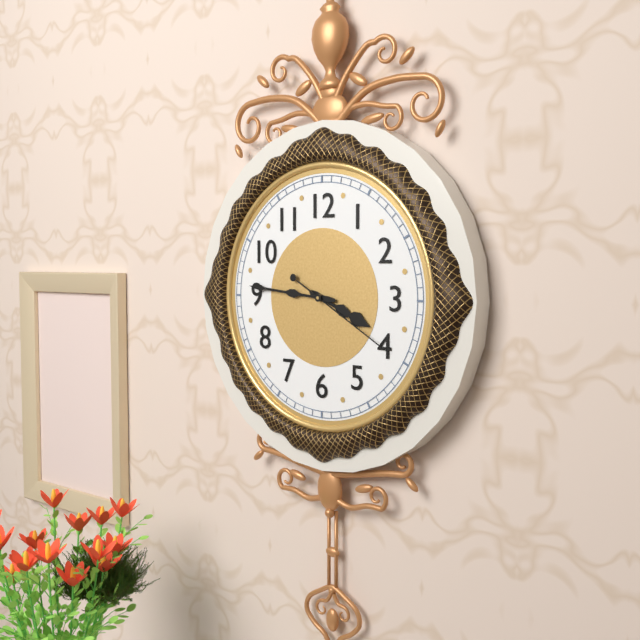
3:46:20
